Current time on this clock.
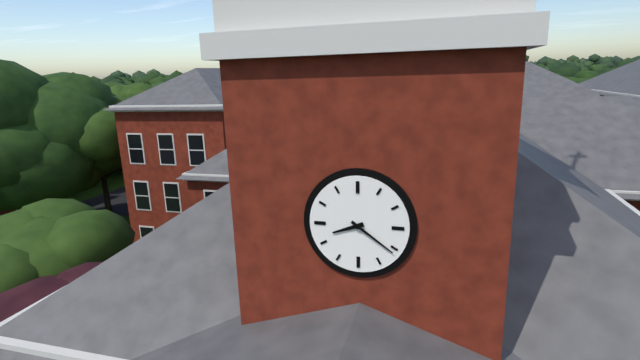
8:21
